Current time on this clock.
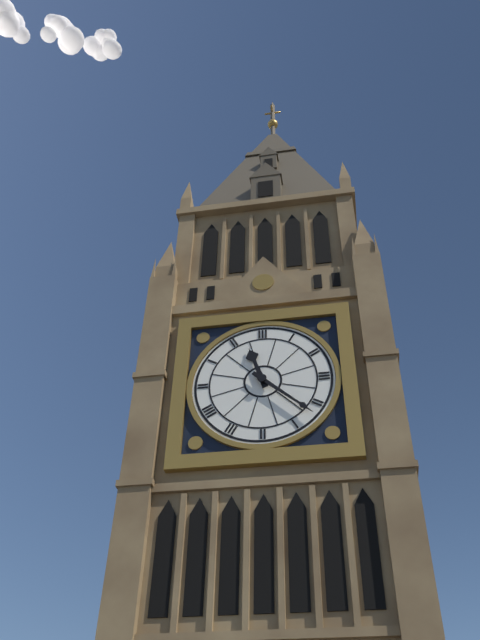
11:22
